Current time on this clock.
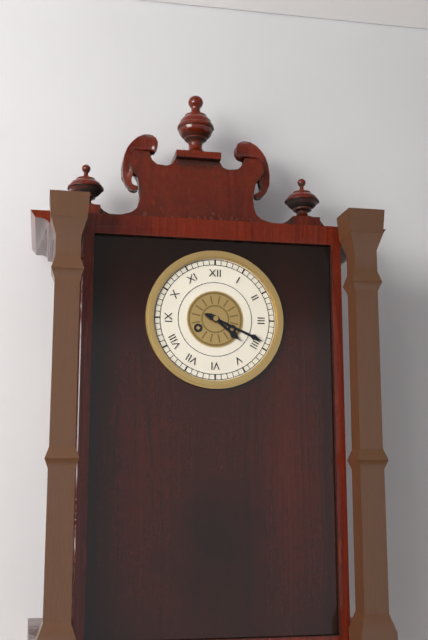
4:19
